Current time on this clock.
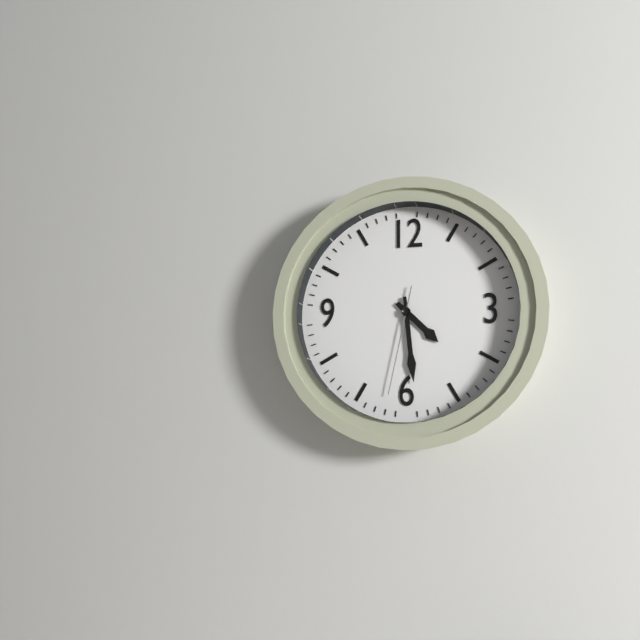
4:29:32
